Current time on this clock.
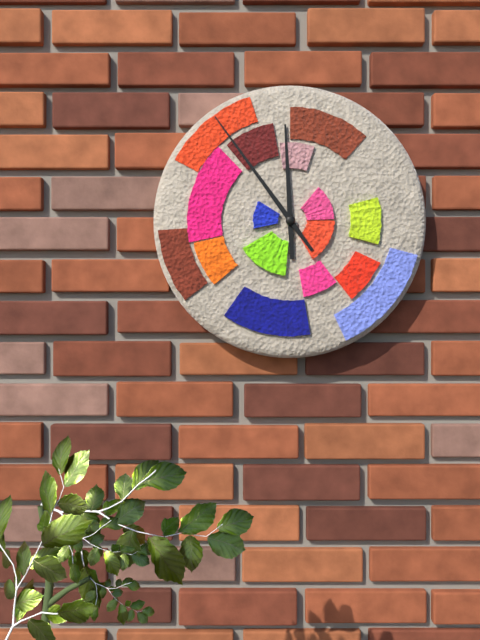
11:54
